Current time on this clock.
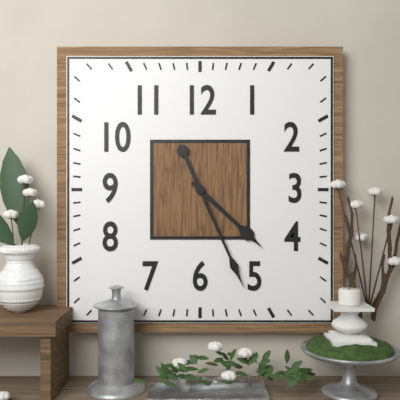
4:26
